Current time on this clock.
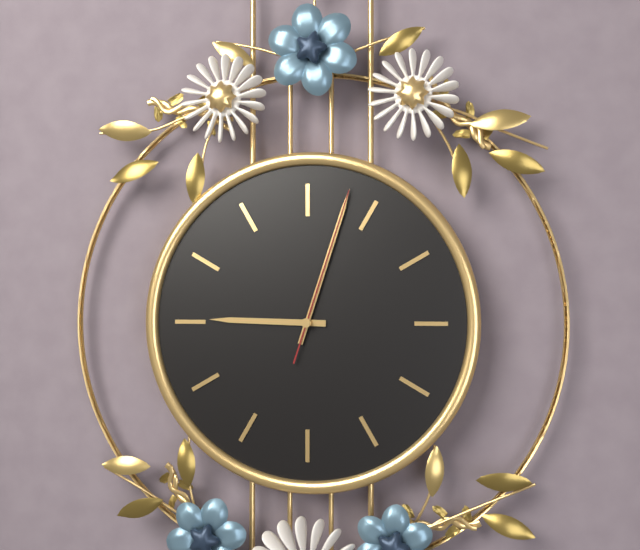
9:03:03
